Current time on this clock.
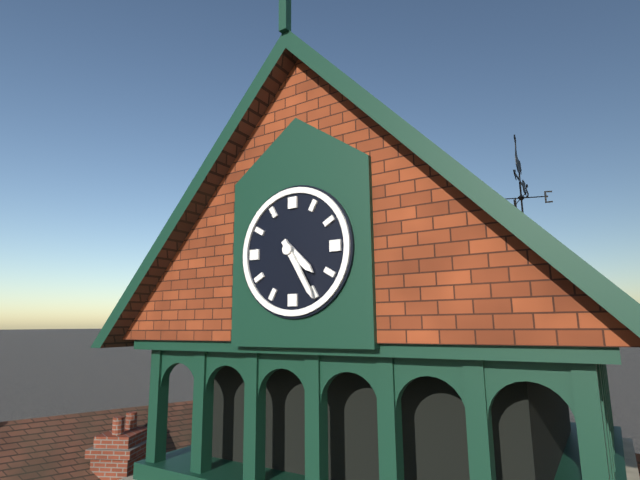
4:25
